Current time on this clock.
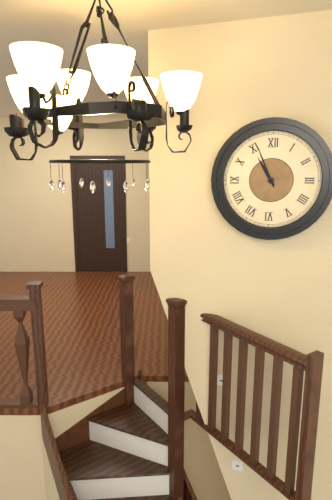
10:56
